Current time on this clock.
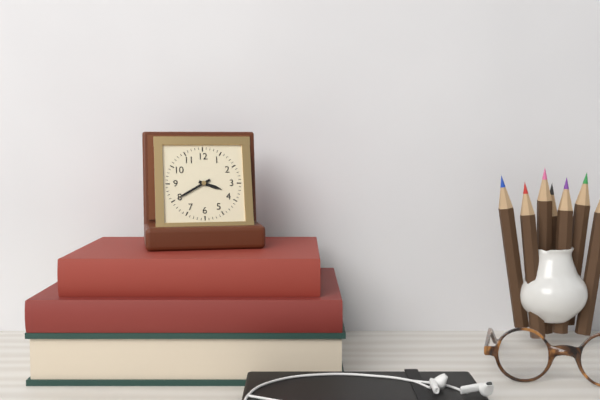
3:40
